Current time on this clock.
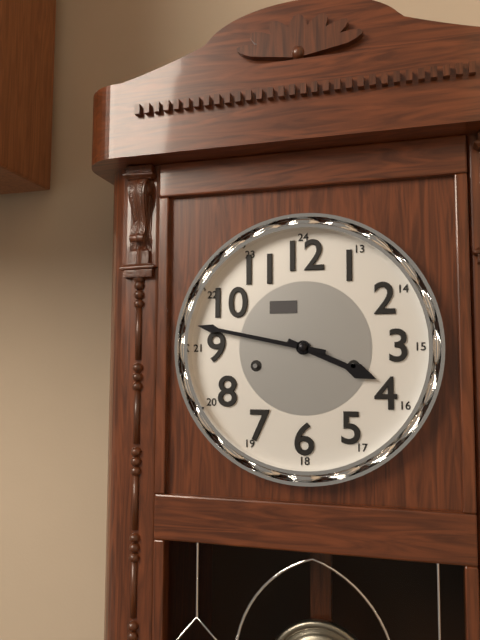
3:47
